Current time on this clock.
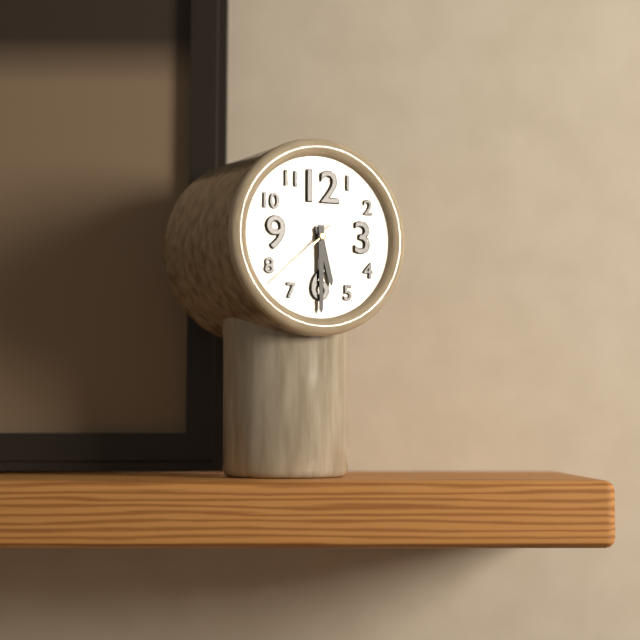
5:30:38
